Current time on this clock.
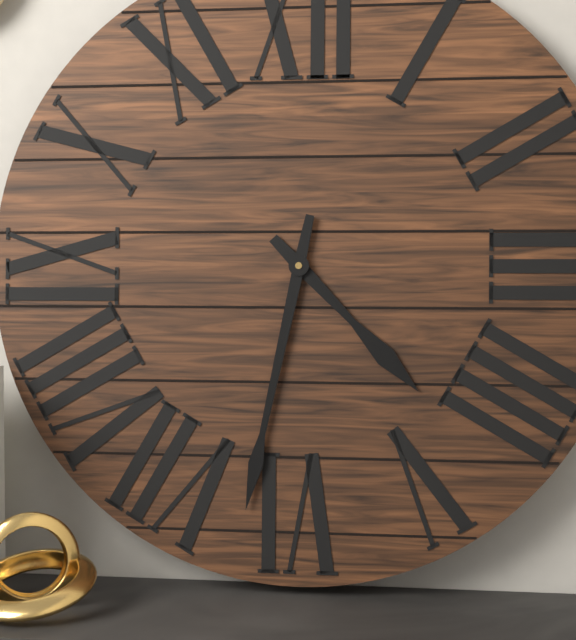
4:32
